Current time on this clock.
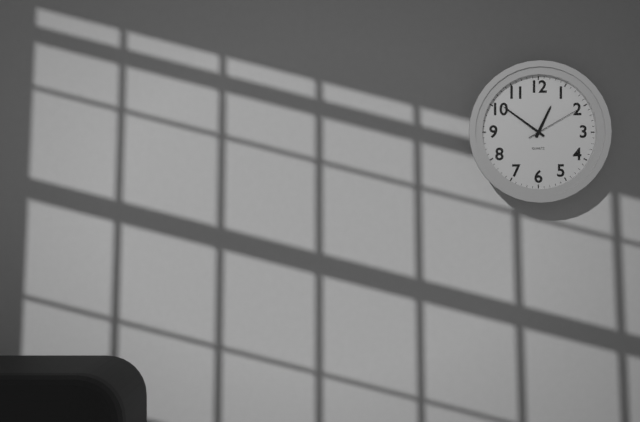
12:51:10
